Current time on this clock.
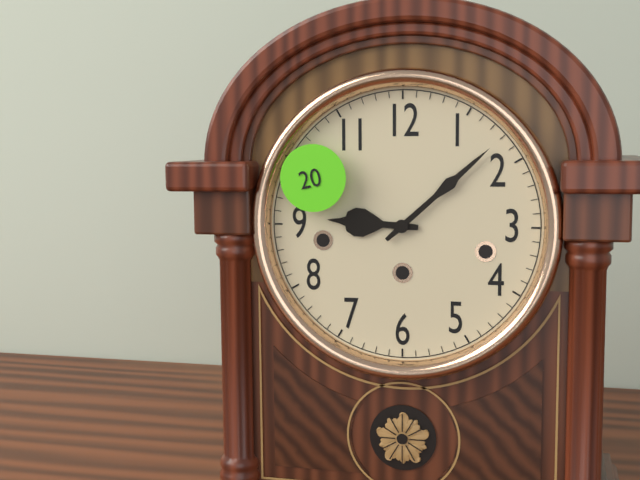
9:08
